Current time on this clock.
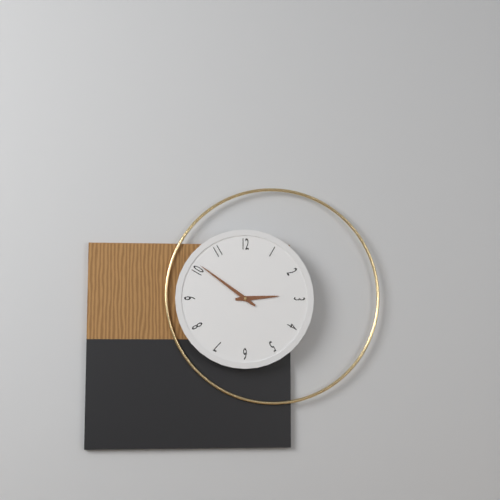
2:51
